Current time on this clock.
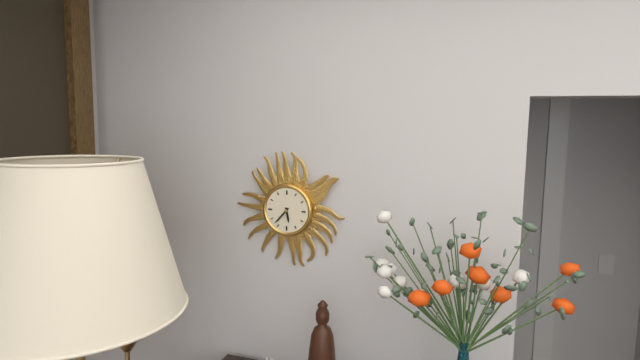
5:37
